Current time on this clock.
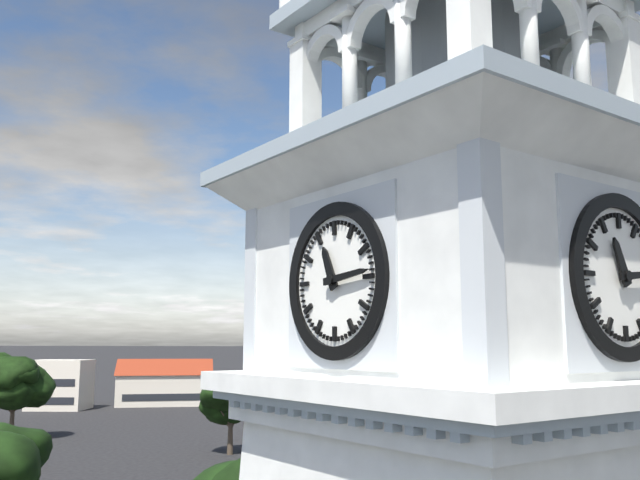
11:14
